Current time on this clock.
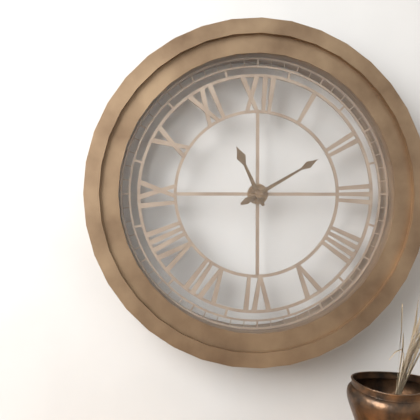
11:10
